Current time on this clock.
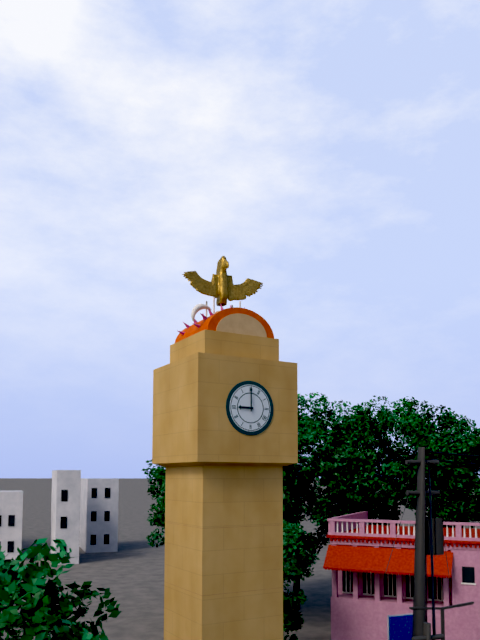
9:00
